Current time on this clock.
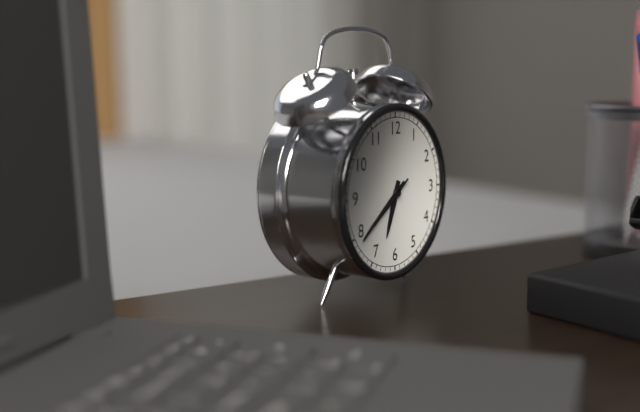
6:39:39
